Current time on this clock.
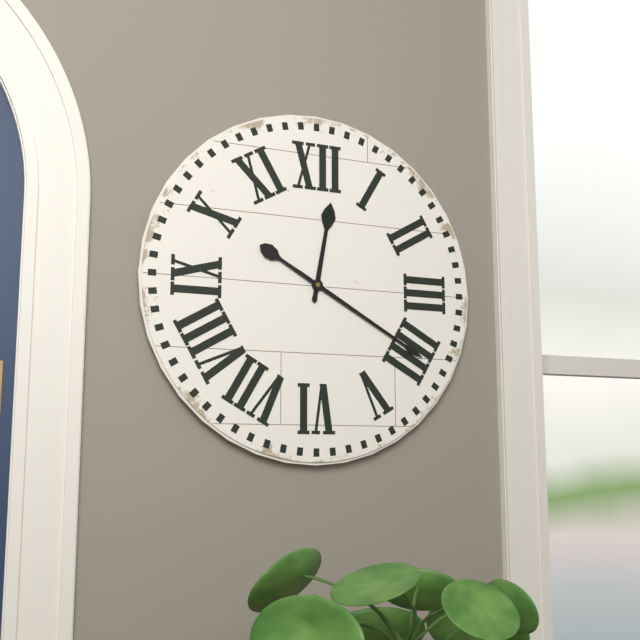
12:20
